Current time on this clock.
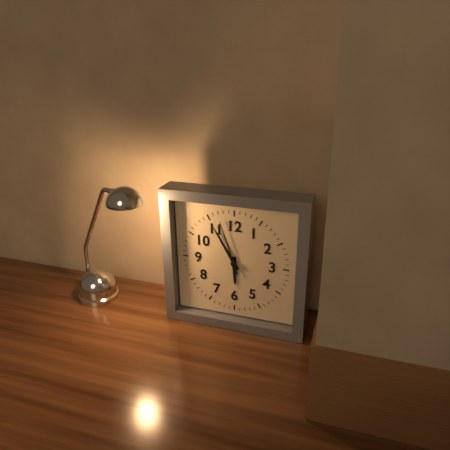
5:55:57
